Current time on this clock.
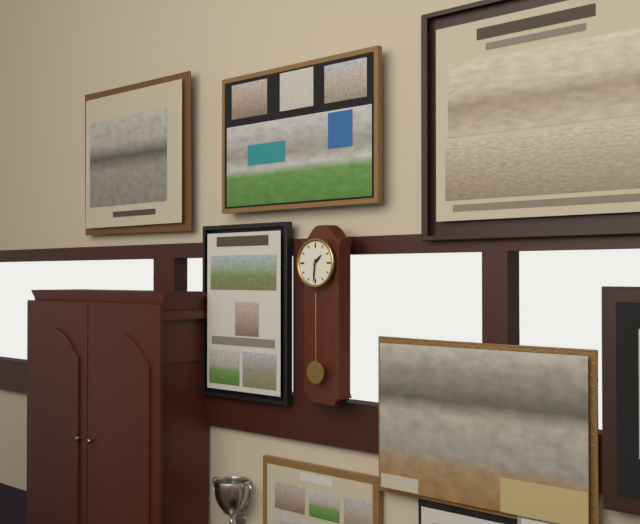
1:31
